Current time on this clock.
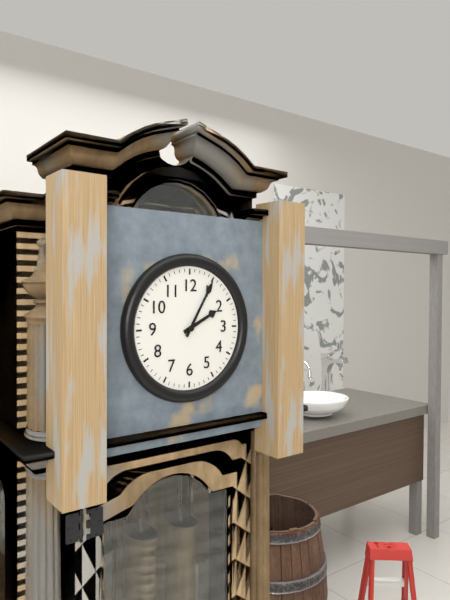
2:05
